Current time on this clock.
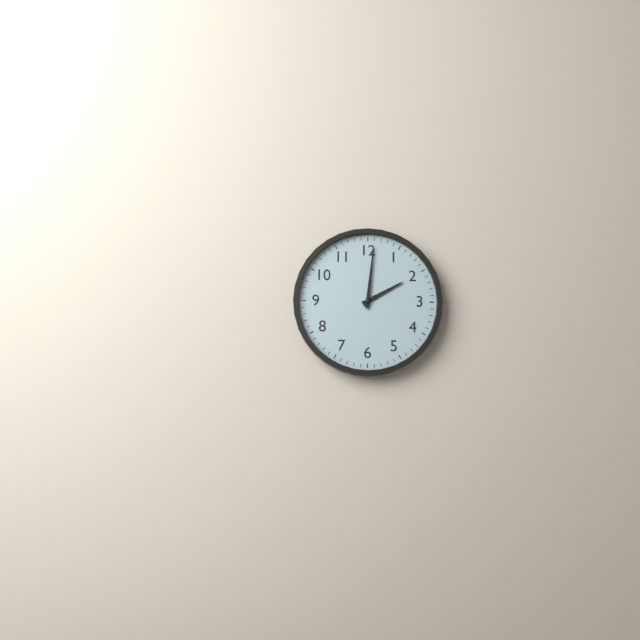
2:01
